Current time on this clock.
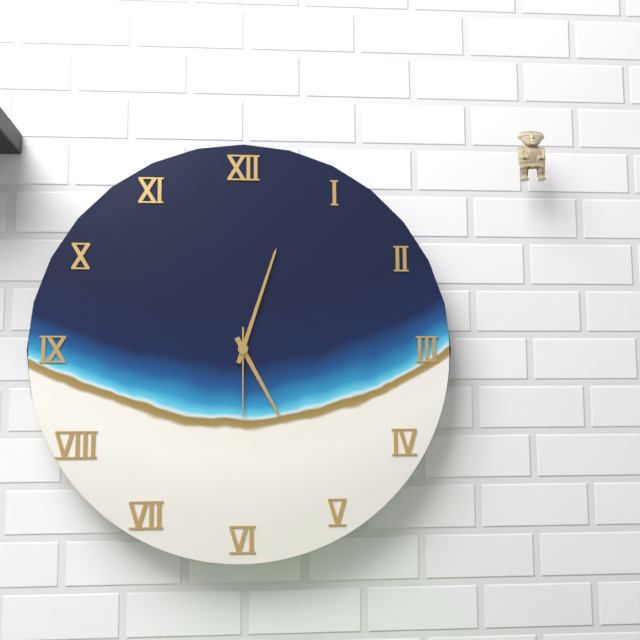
5:03:30
